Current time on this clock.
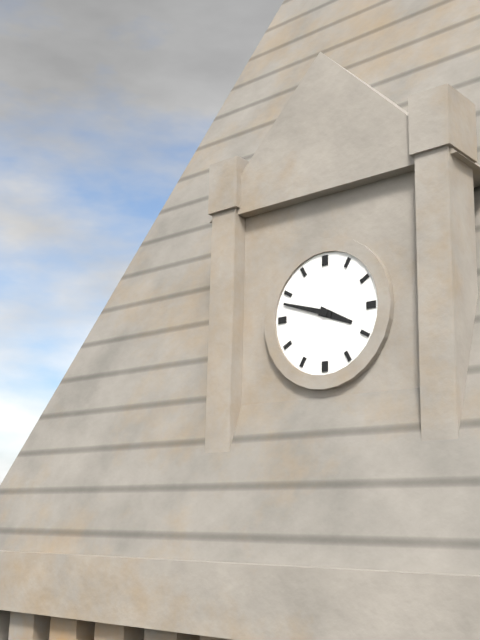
3:48
